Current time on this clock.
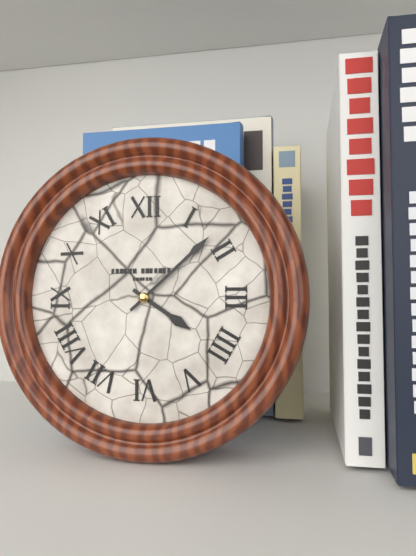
4:08
